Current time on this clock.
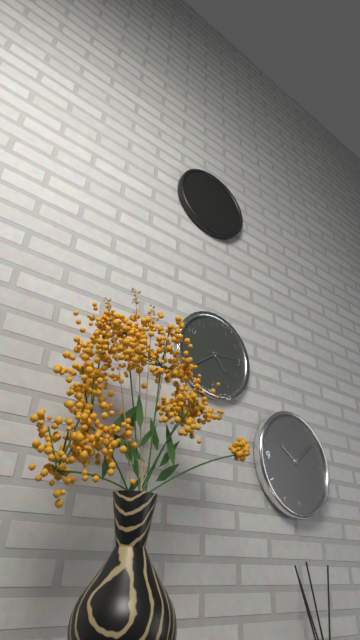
4:39
